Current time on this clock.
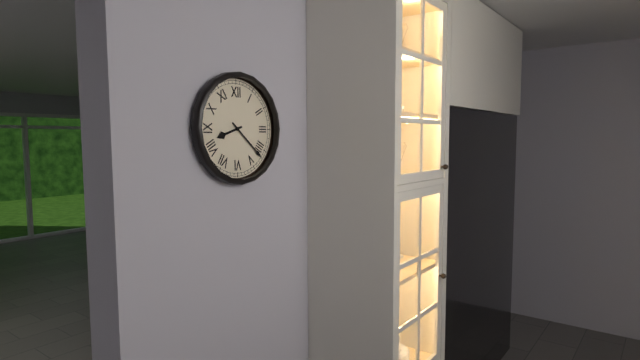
8:22
